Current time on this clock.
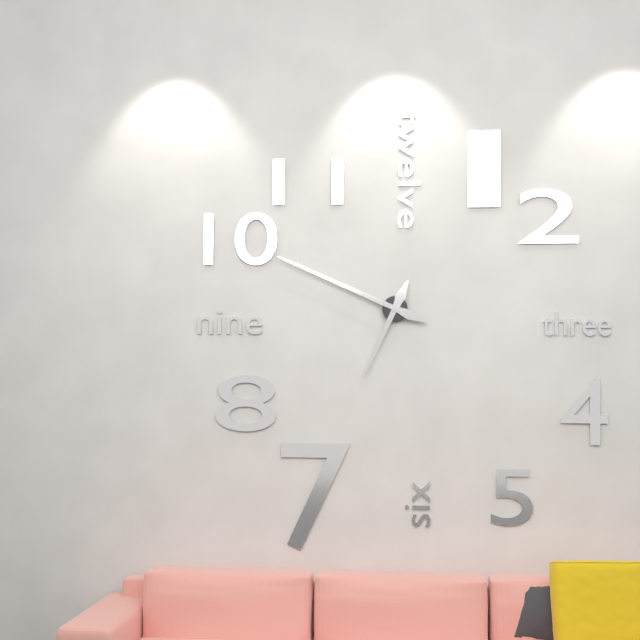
6:49
